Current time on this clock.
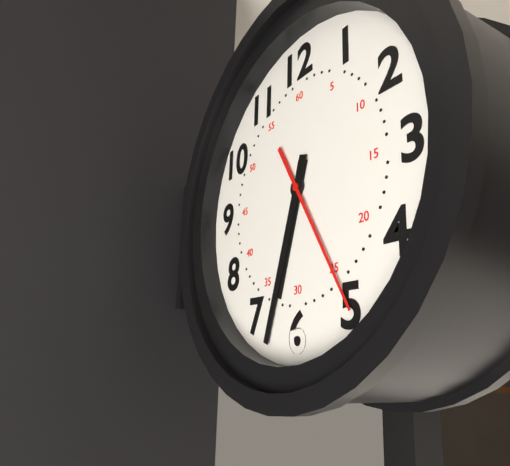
6:33:25
